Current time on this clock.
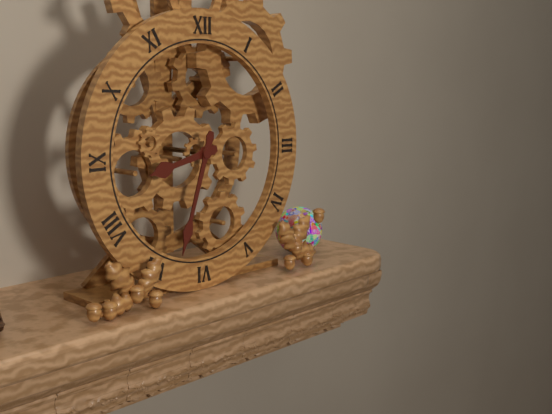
8:33
